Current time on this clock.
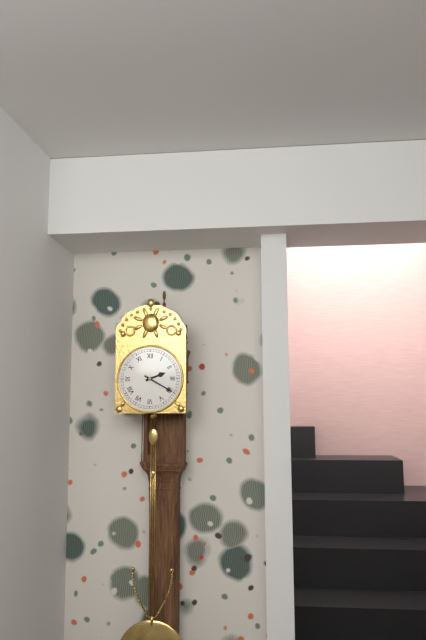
2:20
